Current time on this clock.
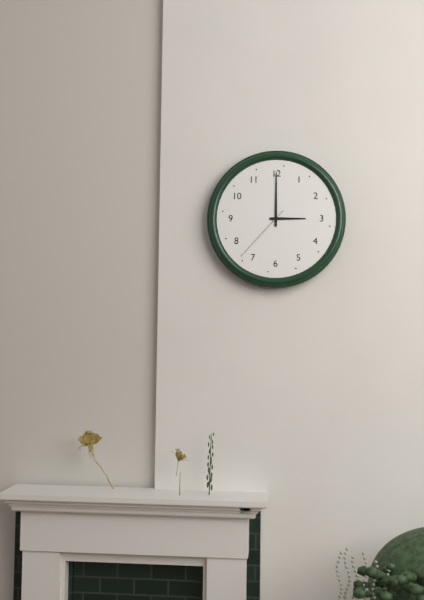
3:00:37
